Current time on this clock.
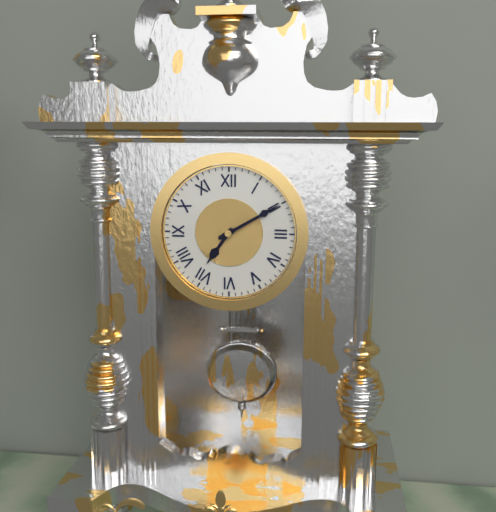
7:10
